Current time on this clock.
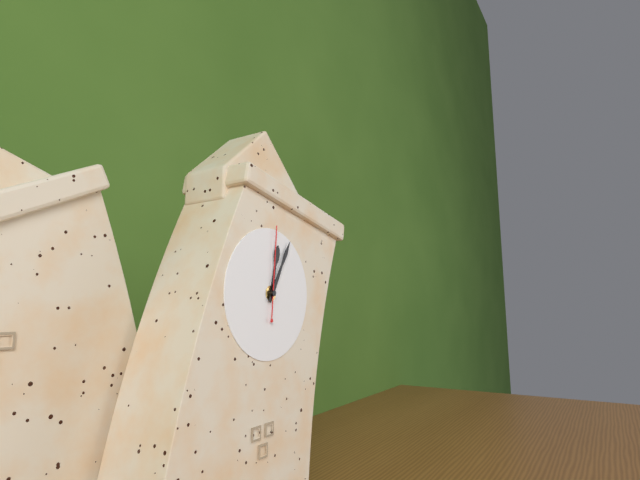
12:03:59
